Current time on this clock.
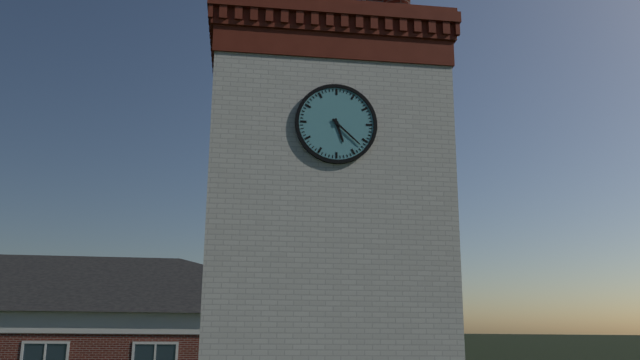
5:22
